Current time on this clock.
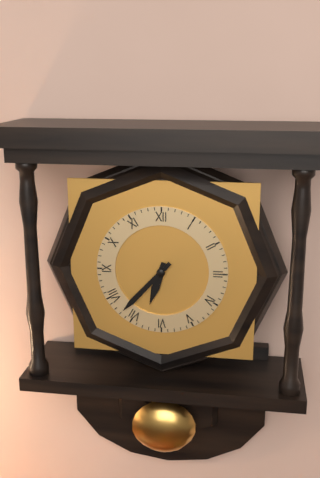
6:37
